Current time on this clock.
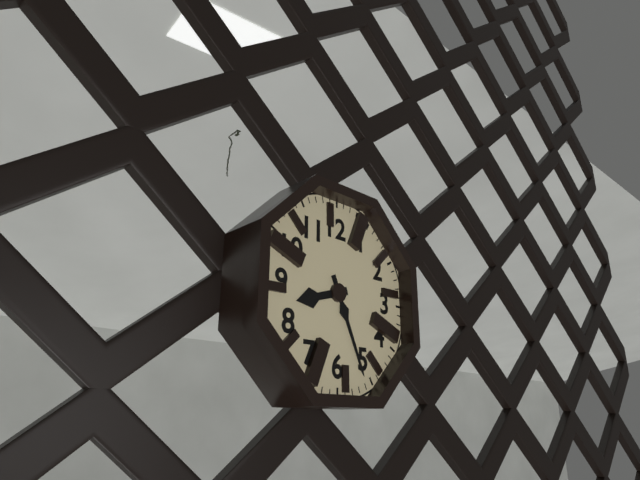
8:26
